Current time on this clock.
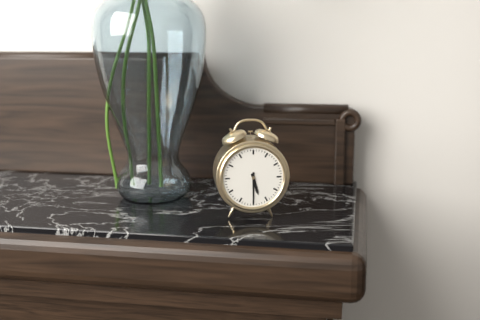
5:30
